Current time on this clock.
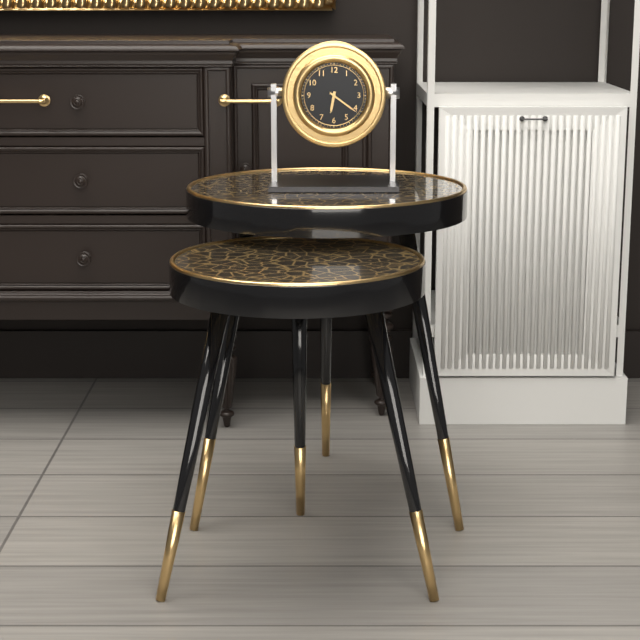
6:21
